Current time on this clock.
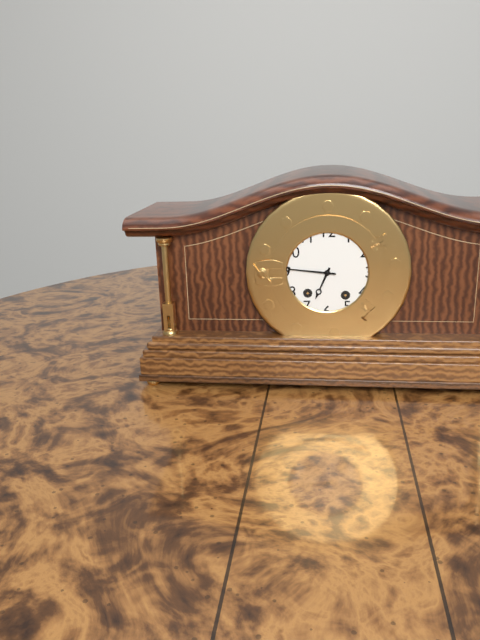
6:46
